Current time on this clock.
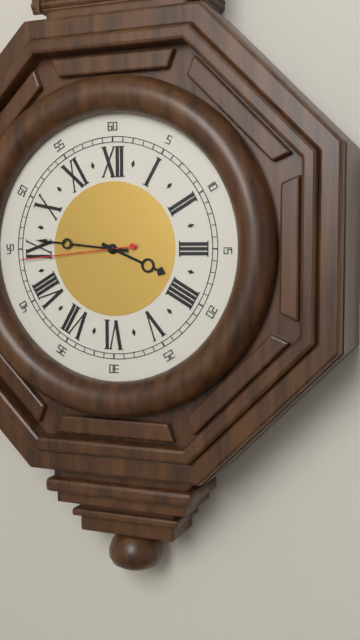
3:46:44
